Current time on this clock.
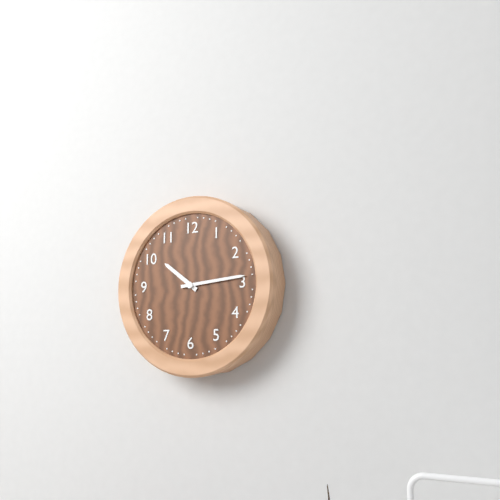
10:14
